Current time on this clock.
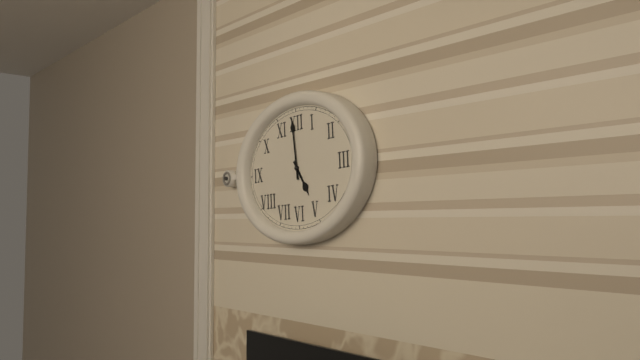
4:59
